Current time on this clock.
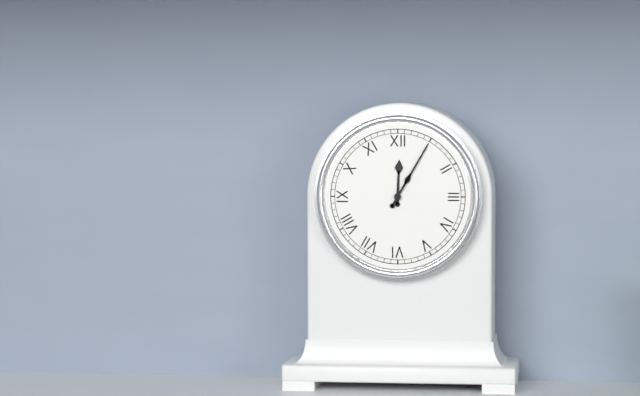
12:05
